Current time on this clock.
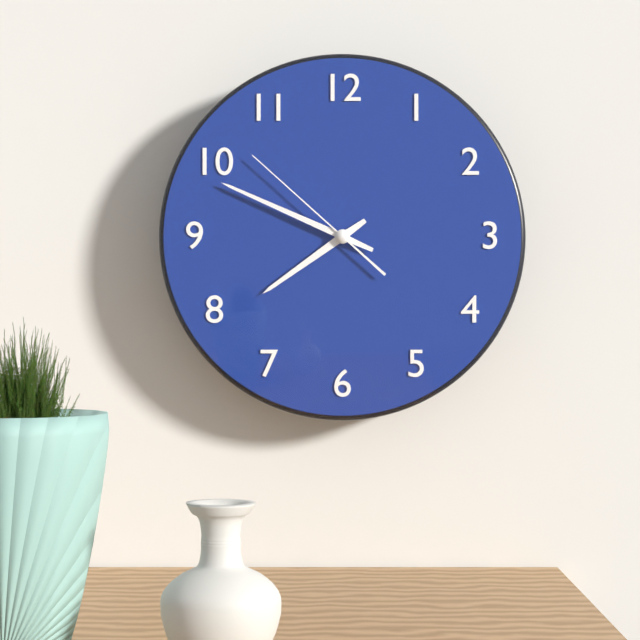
7:49:52
